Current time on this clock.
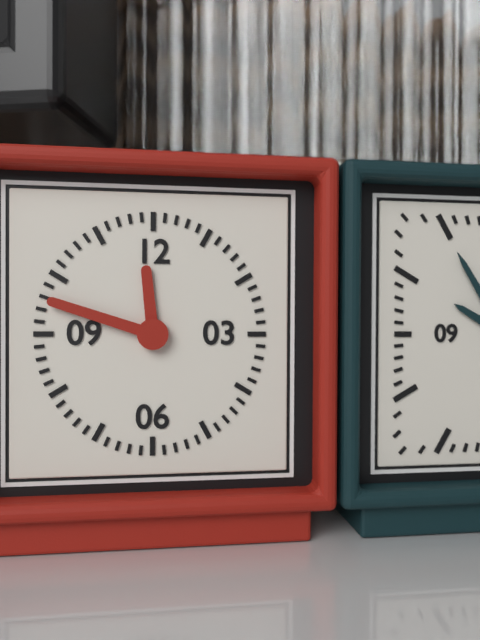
11:48
